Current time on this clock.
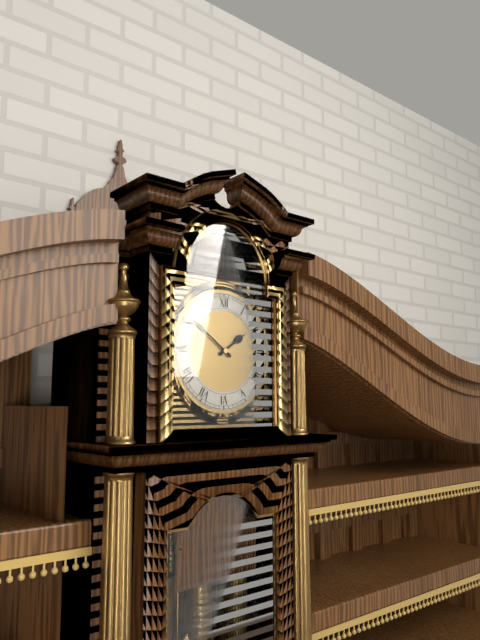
1:51
